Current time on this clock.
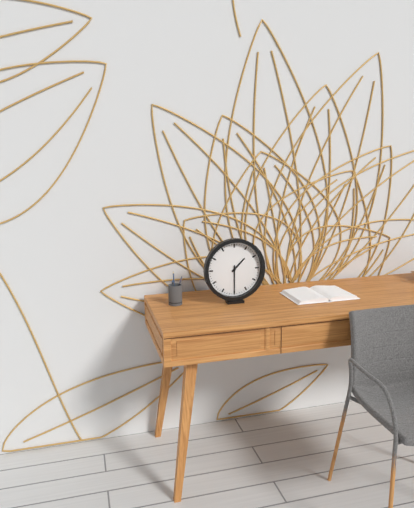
1:30
